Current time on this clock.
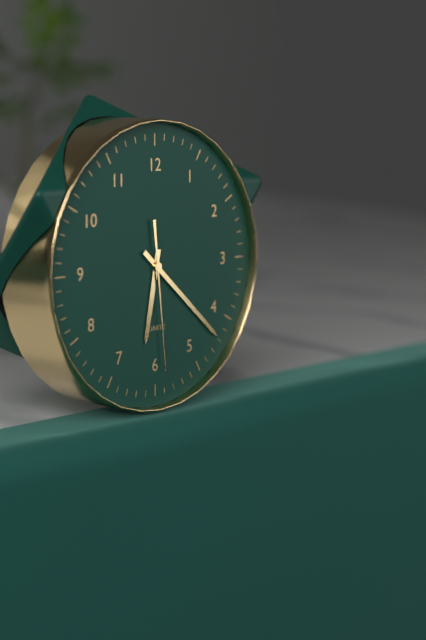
6:22:29
